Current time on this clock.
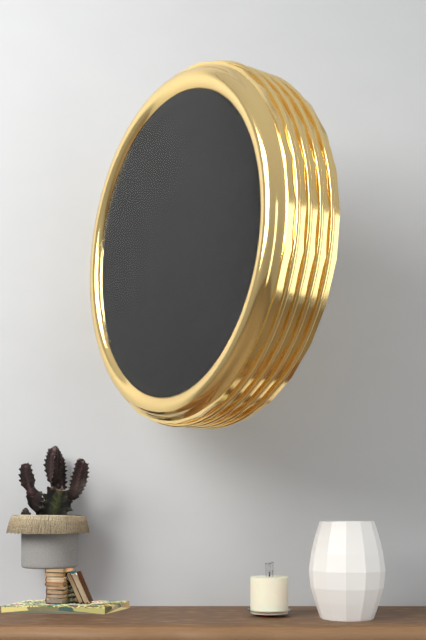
6:55:36
